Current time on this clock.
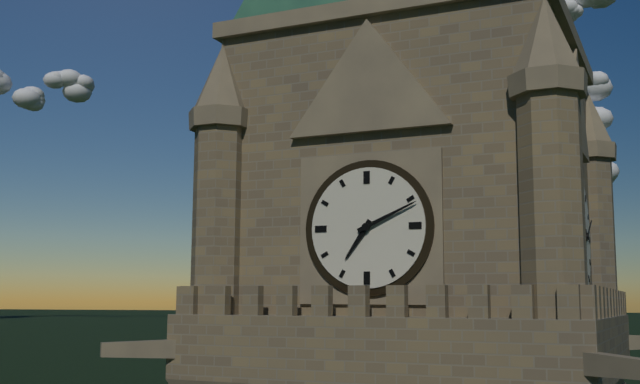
7:11
